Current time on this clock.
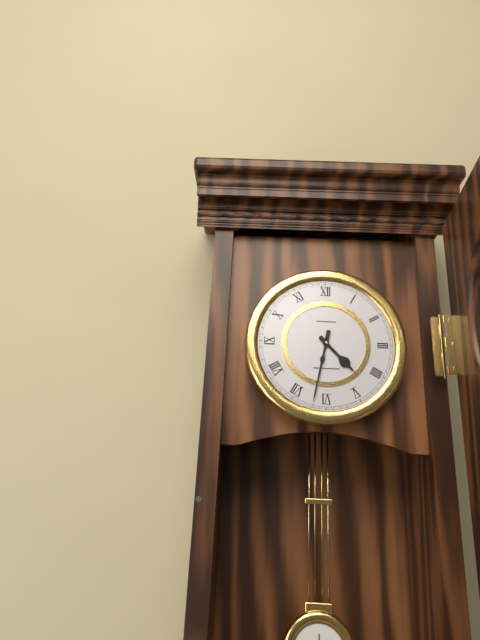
4:32
